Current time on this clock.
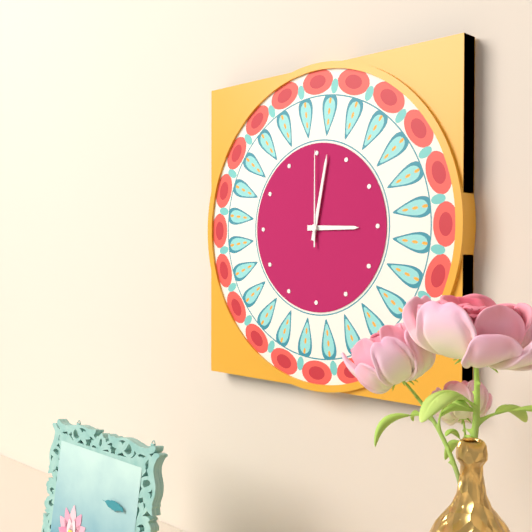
3:02:00
